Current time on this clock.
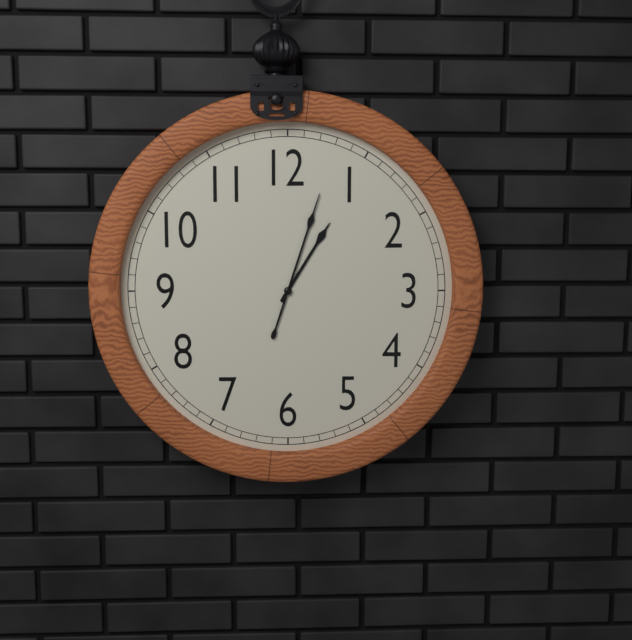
1:03
